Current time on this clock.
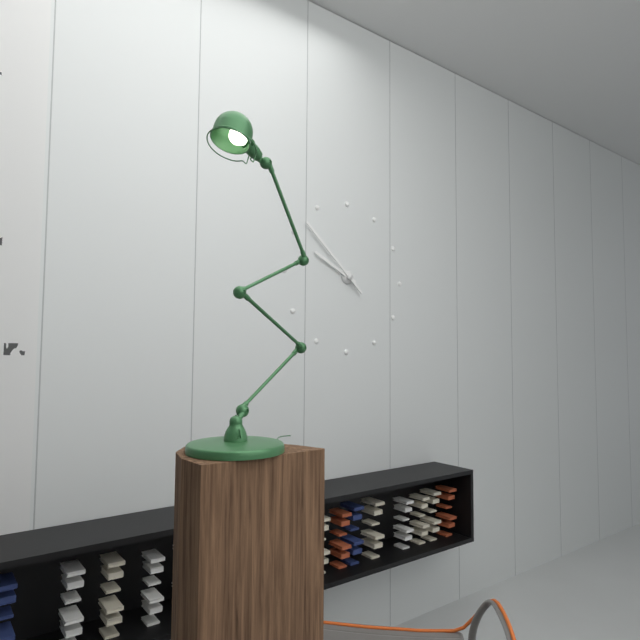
9:52
